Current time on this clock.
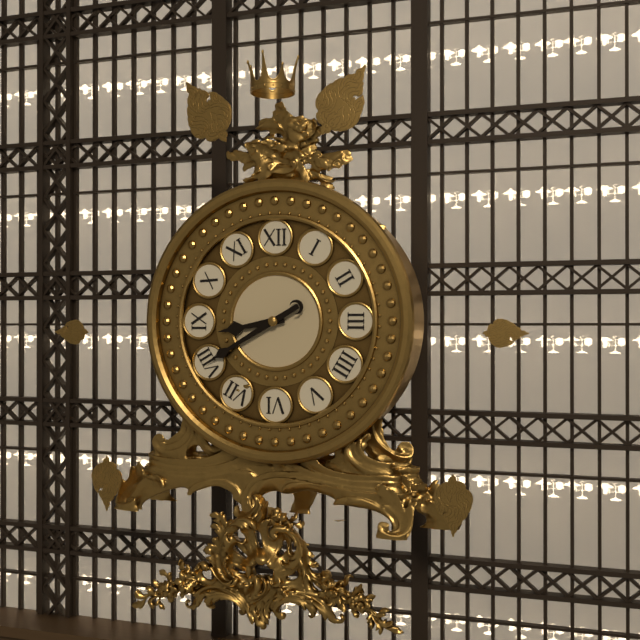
8:40
